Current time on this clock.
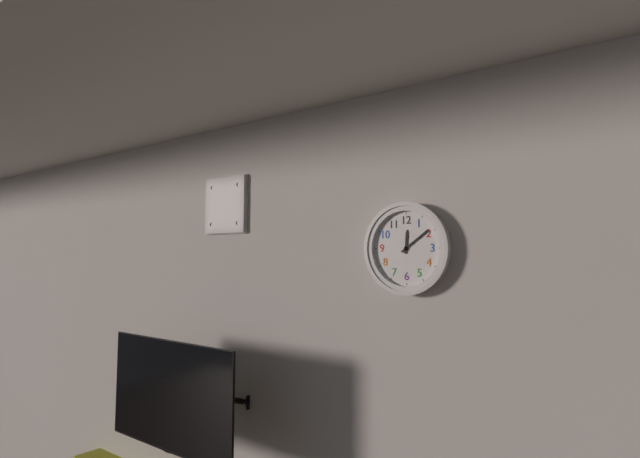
12:09
